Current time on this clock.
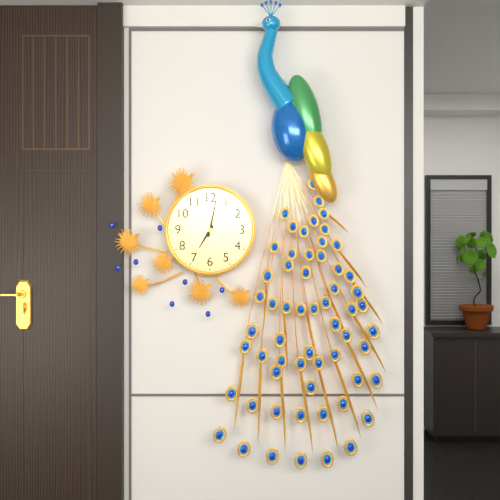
7:02
